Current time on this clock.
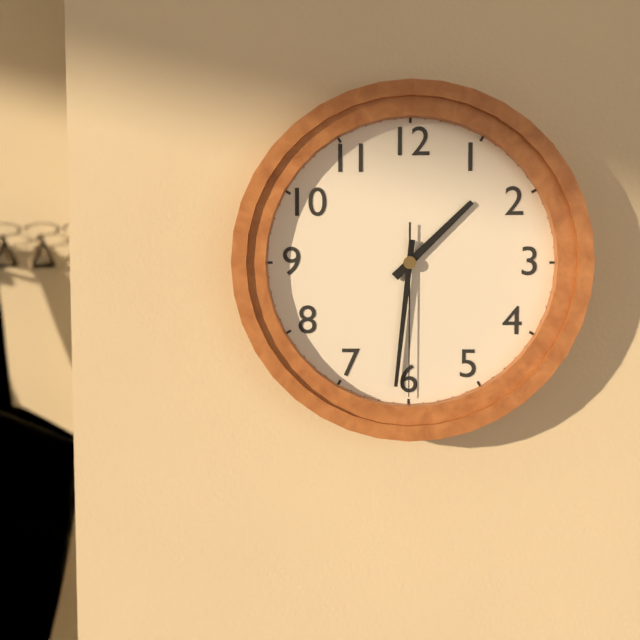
1:31:30
